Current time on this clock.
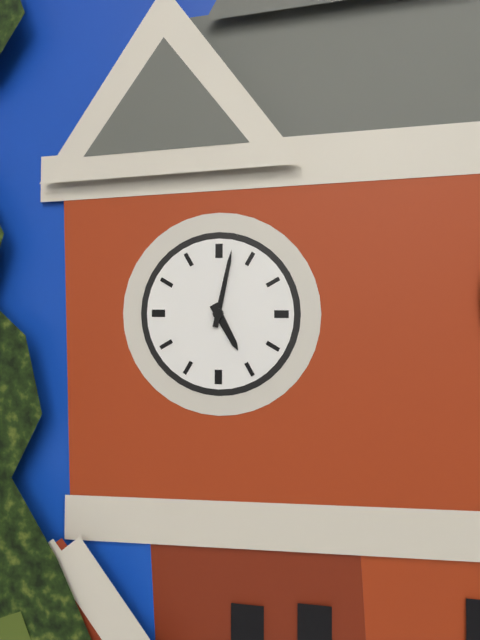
5:02
